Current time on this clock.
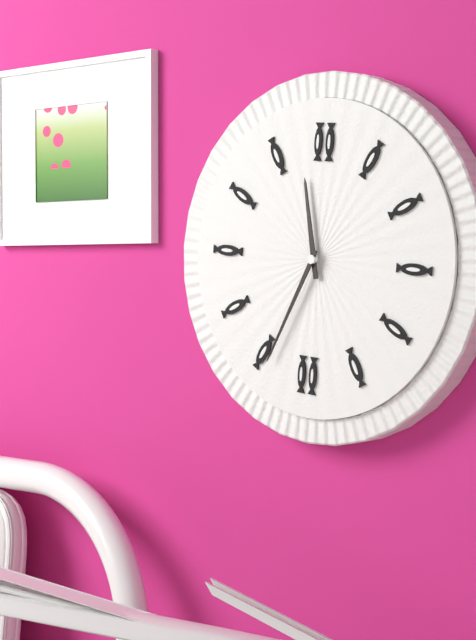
11:34
